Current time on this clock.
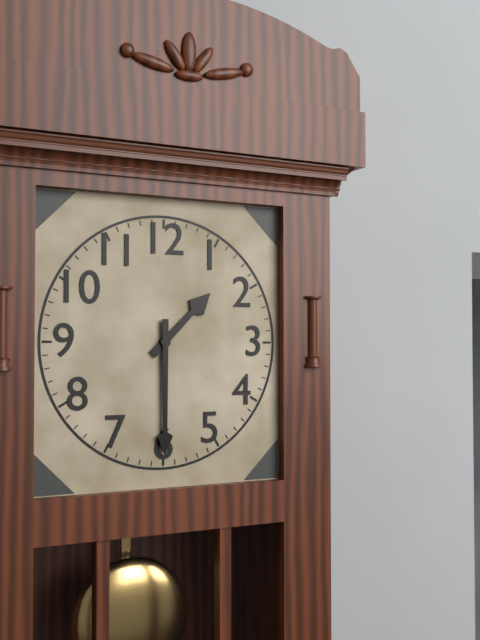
1:30
